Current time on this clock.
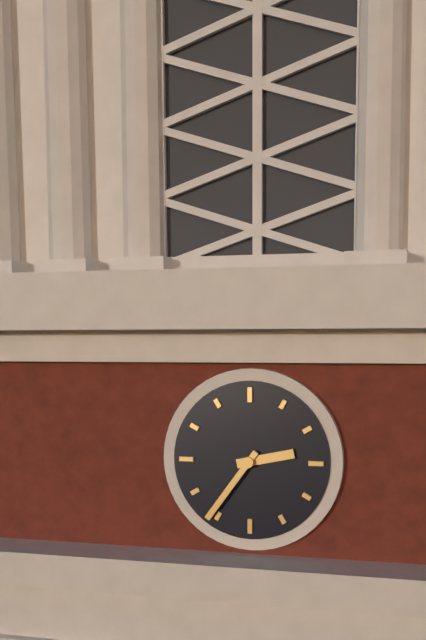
2:36
